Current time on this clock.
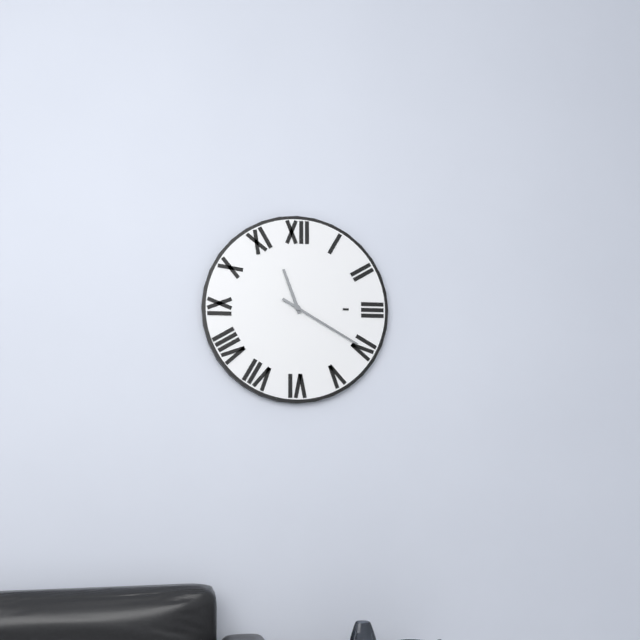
11:20
